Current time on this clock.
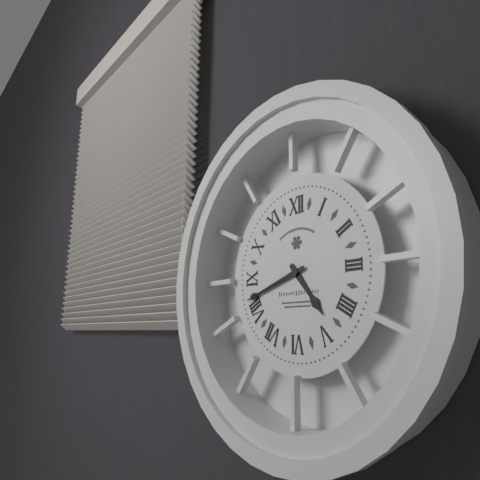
4:42
